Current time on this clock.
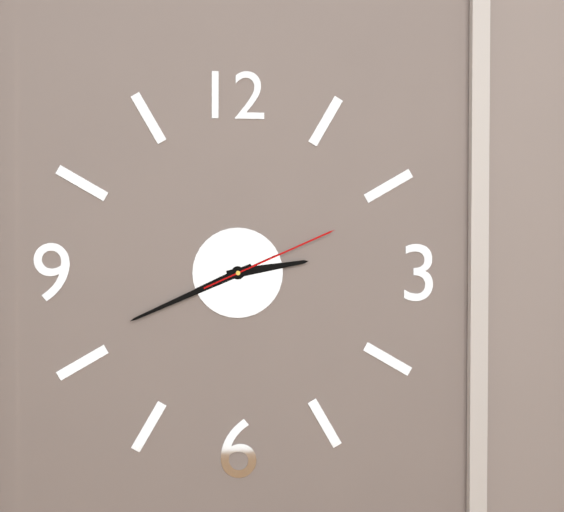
2:41:11
